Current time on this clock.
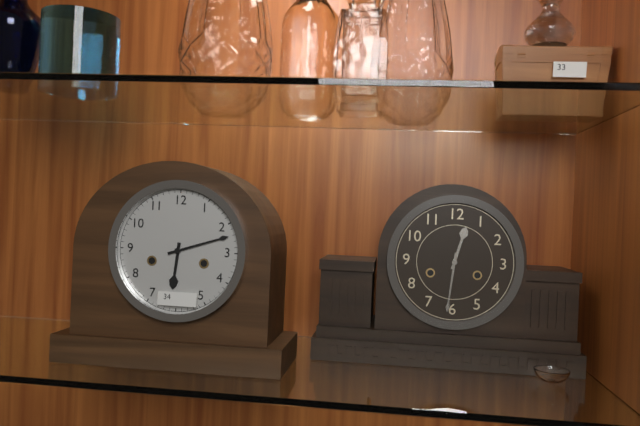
6:12
